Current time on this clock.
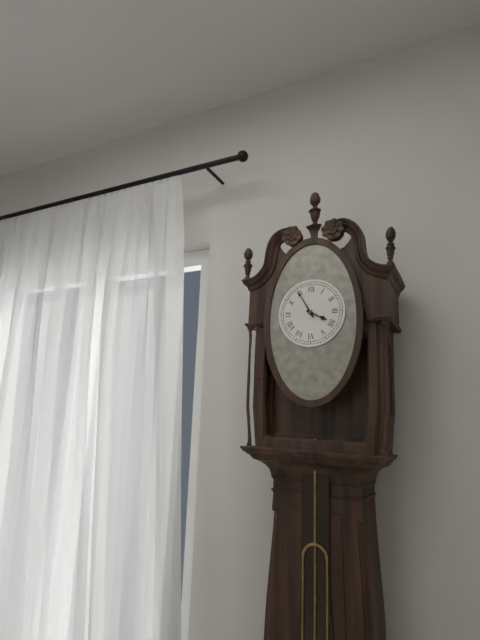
3:55
